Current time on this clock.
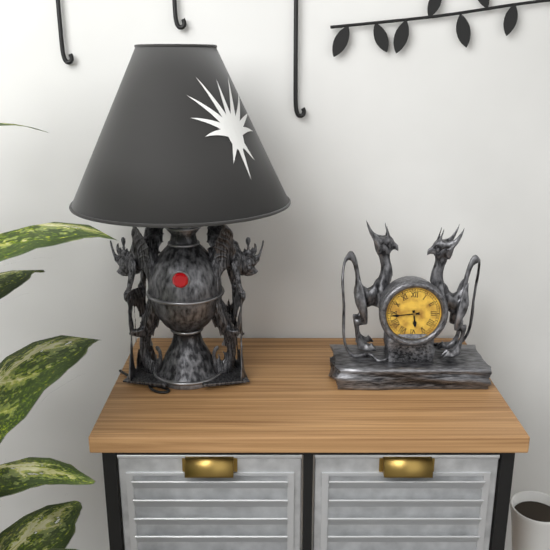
5:44
